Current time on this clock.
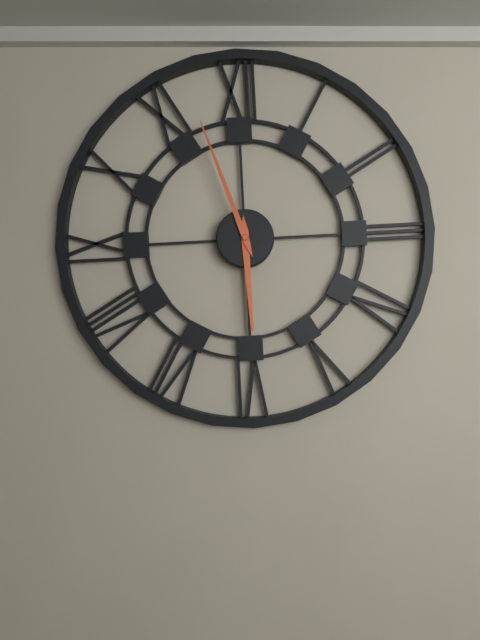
5:57
